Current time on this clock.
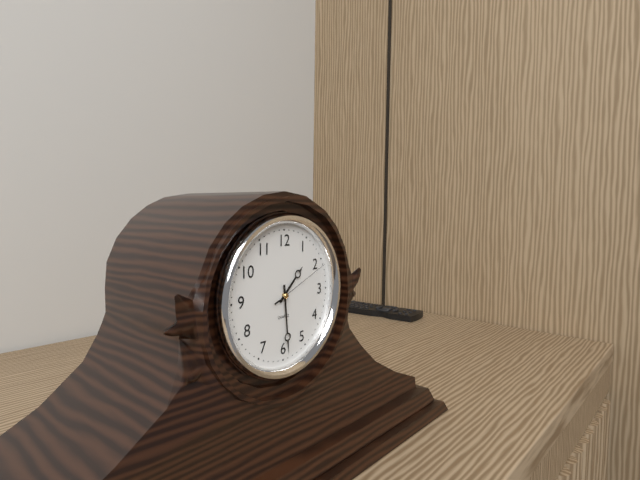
1:29:11
